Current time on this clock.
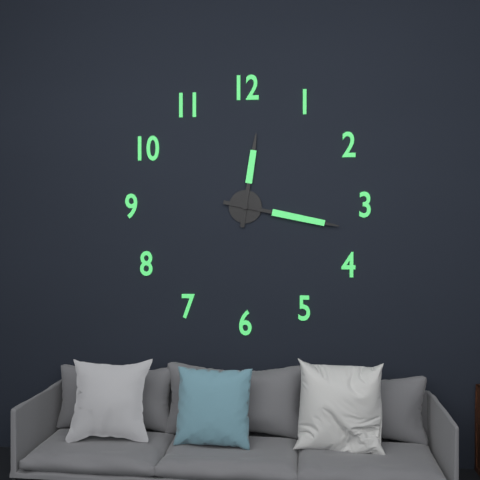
12:17
